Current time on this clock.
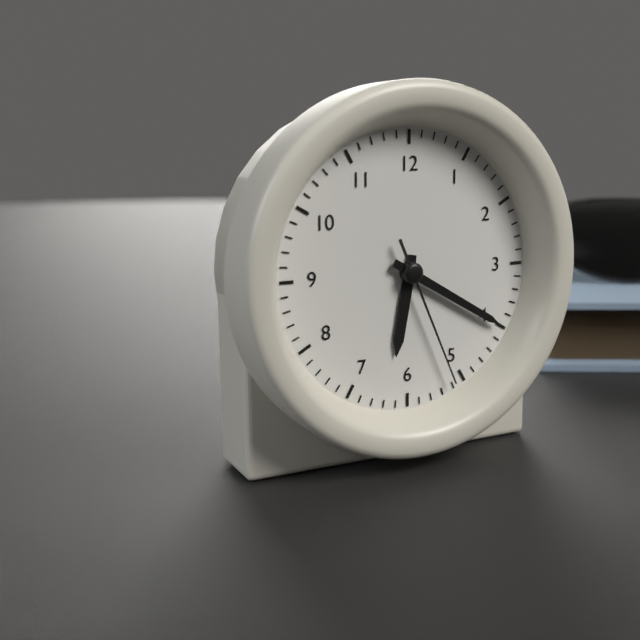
6:20:26
